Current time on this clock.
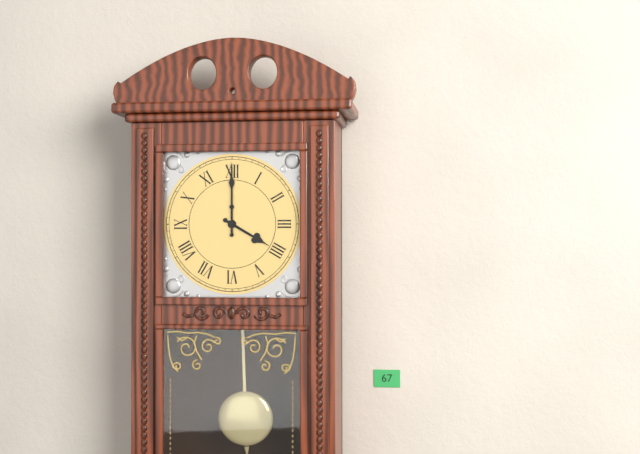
4:00
